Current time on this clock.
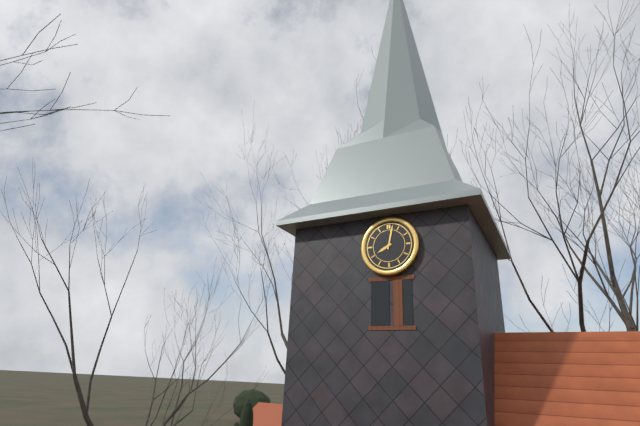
8:02
